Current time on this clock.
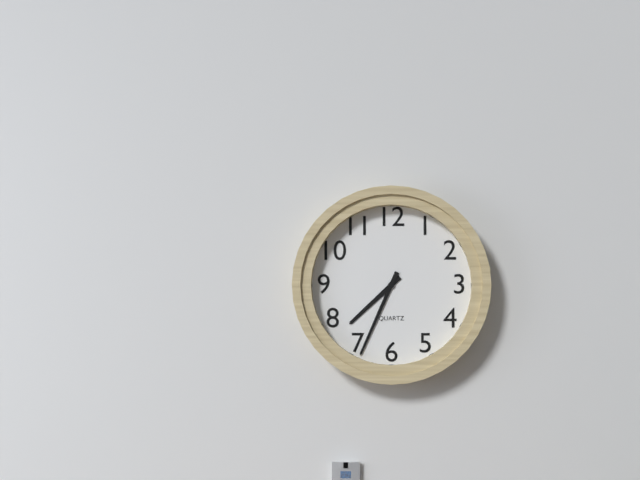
7:34
